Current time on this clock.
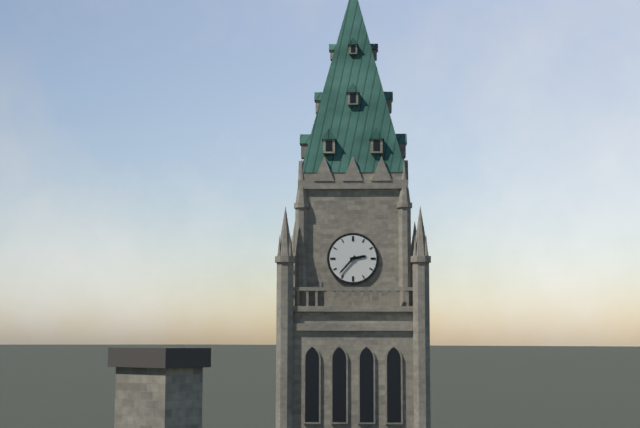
2:37
